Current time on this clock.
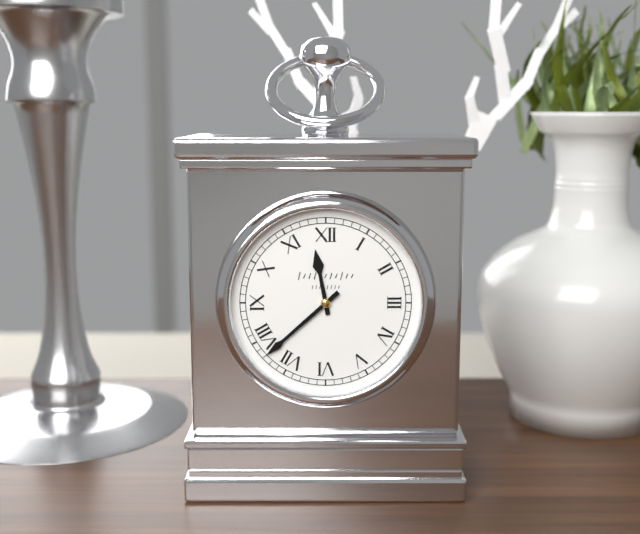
11:38
